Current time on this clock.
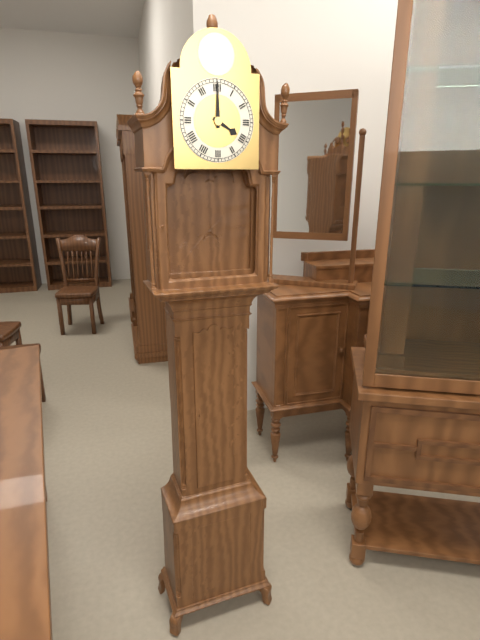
4:00
